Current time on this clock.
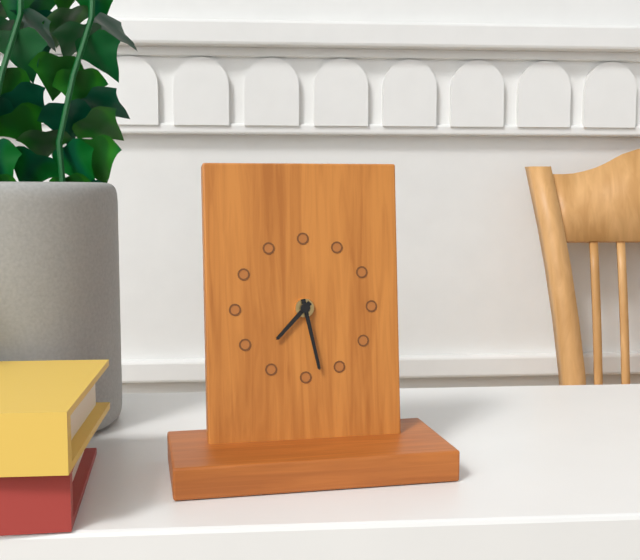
7:28
